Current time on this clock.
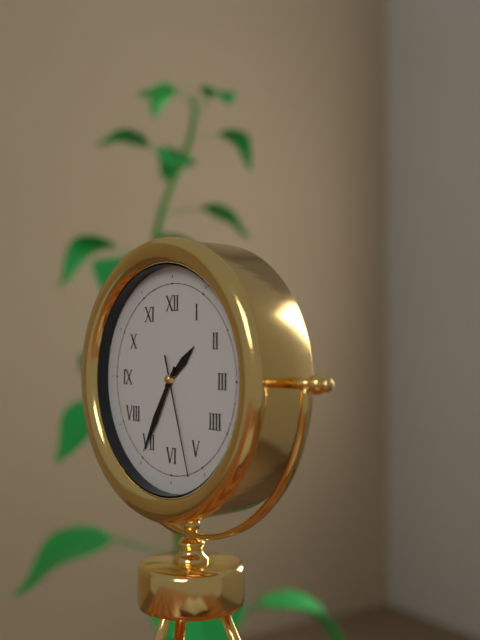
1:35:27
